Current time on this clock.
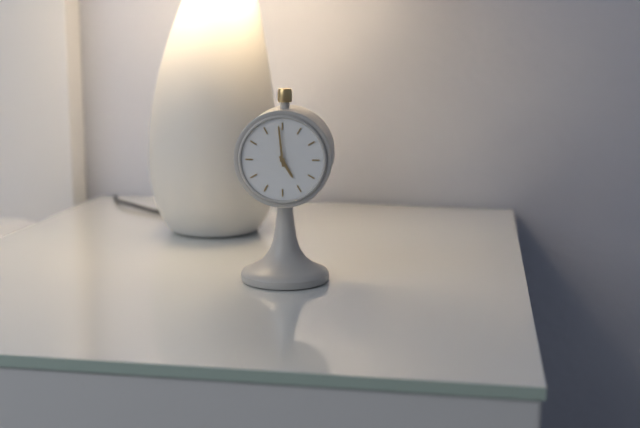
4:59
